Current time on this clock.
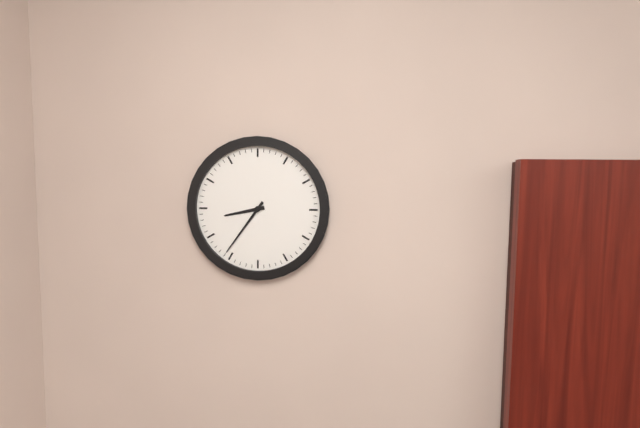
8:36
